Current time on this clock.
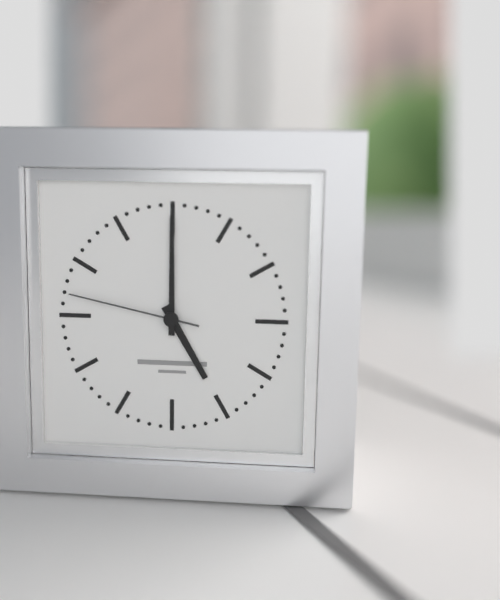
5:00:47
